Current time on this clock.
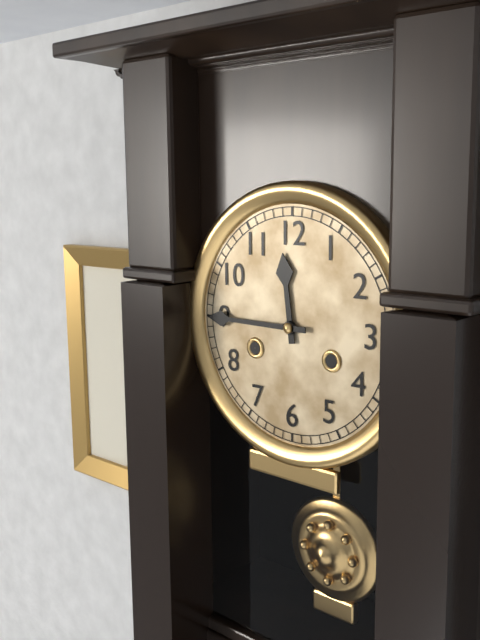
11:45
